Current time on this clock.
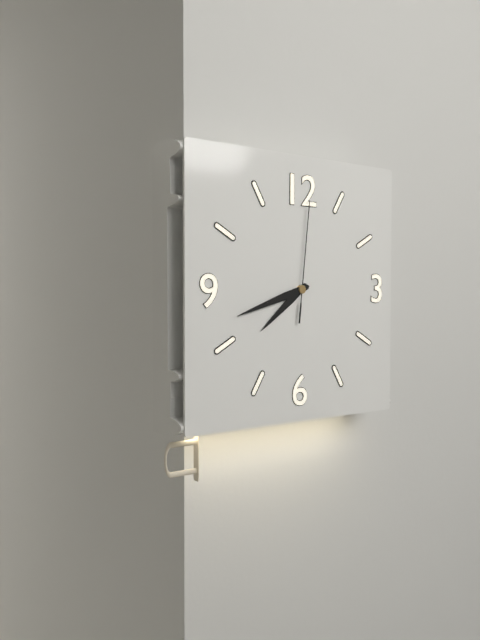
7:42:01
